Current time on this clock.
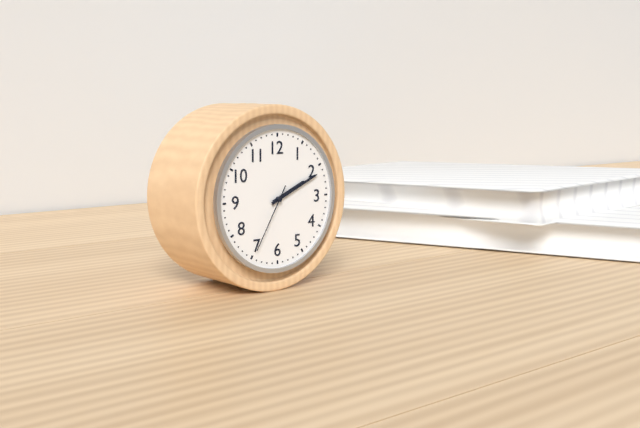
2:11:35
